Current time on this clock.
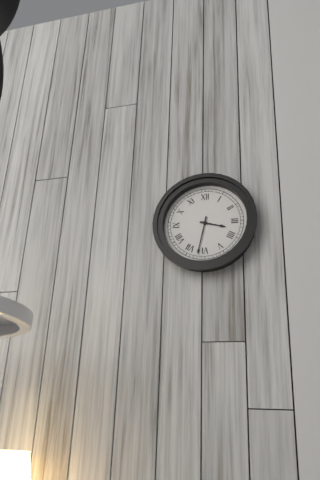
3:32
